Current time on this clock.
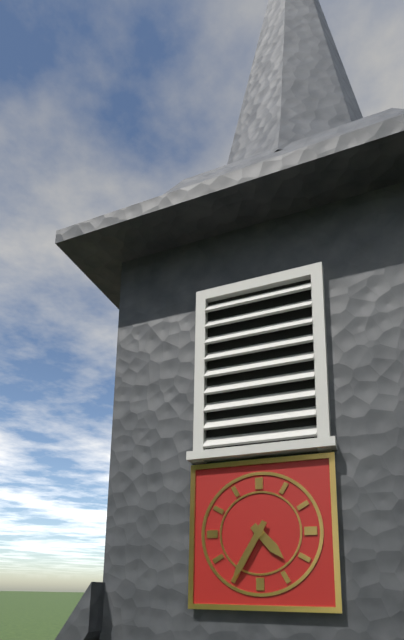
4:35
